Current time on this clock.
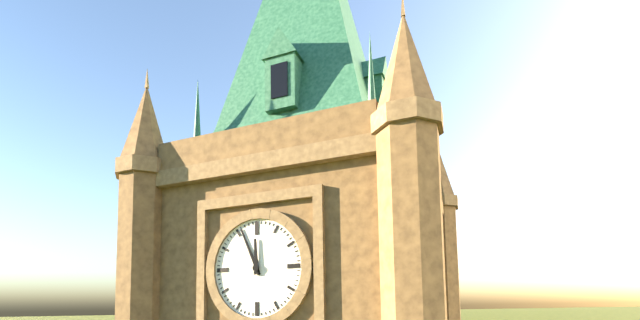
11:56
